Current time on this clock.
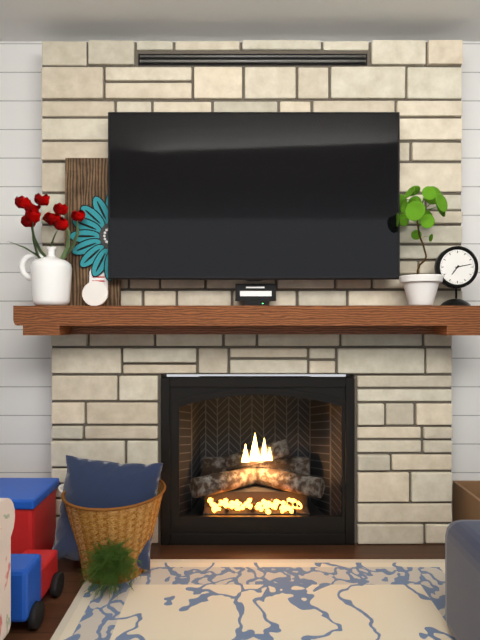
7:13
